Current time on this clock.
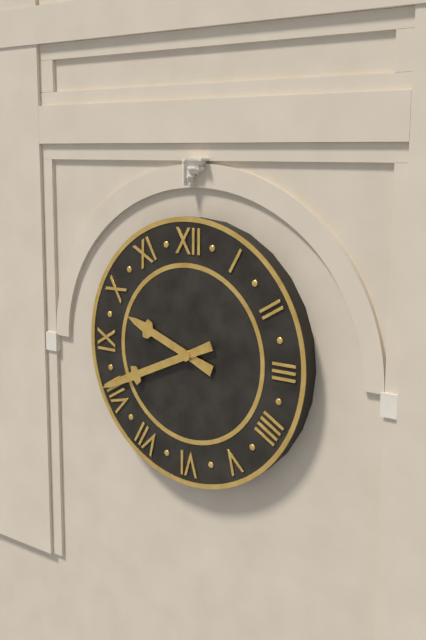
9:41
